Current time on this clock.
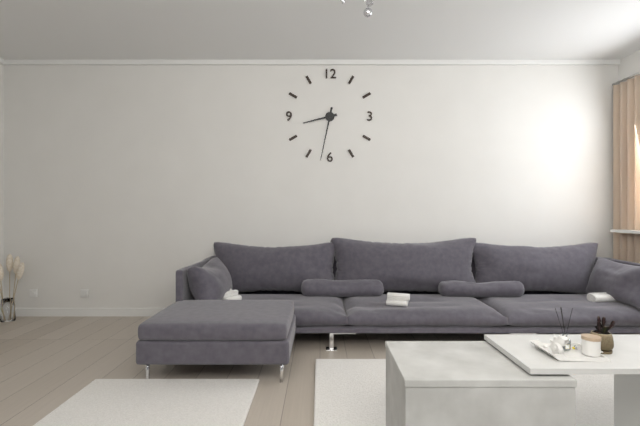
8:32
